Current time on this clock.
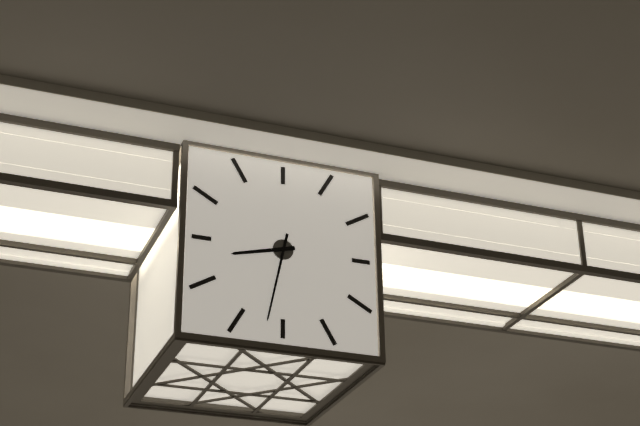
8:32
